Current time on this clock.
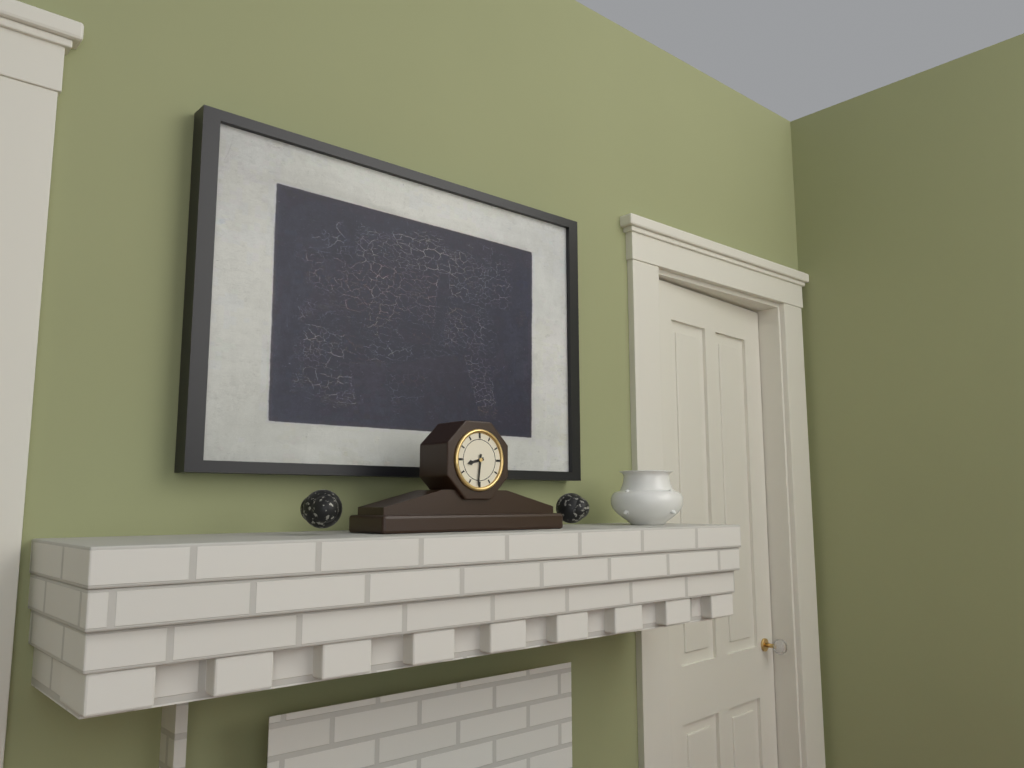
8:31
